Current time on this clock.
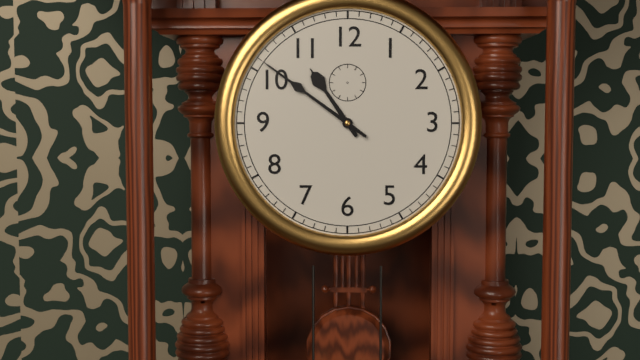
10:51
